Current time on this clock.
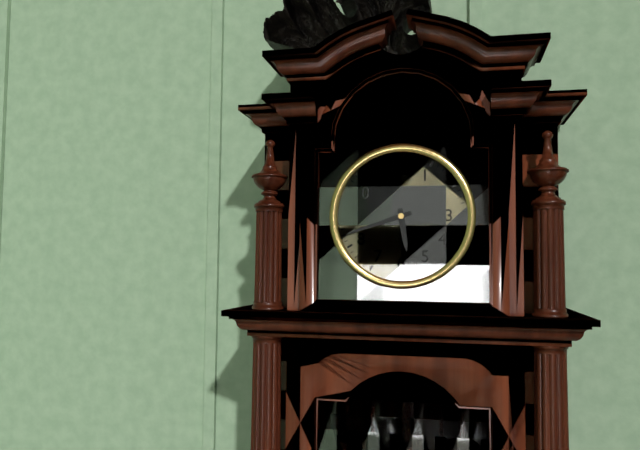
5:42
